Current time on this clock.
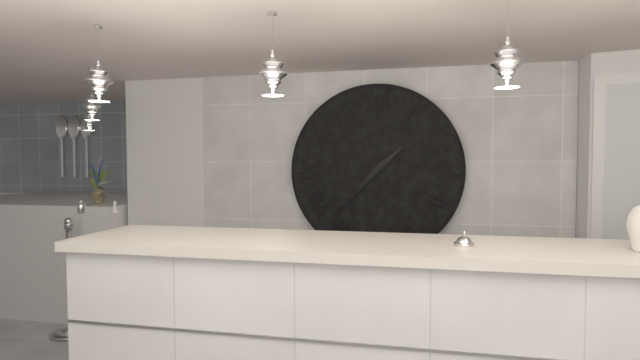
1:37
